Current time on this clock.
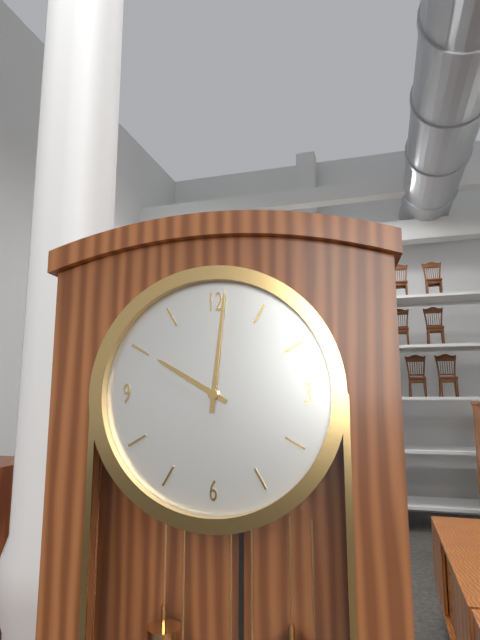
10:01
